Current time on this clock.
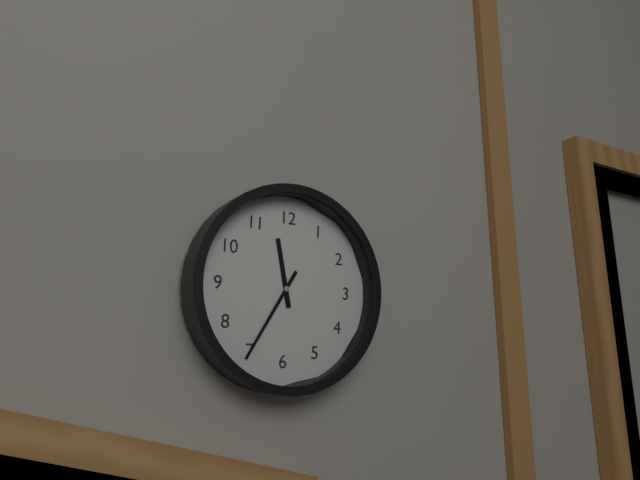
11:35
